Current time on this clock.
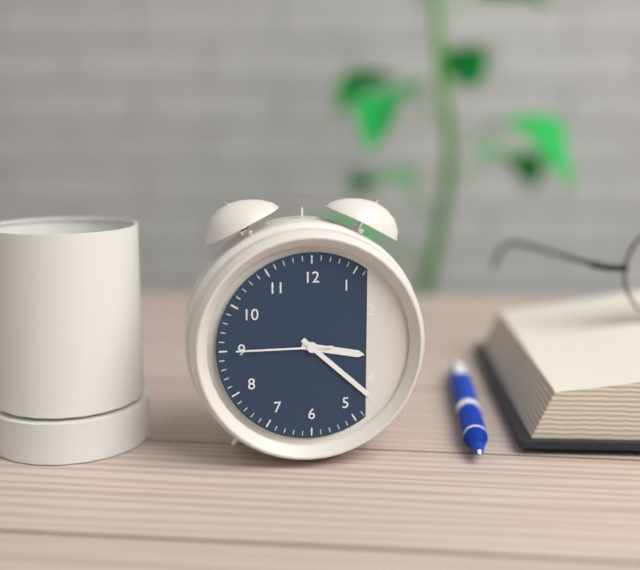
3:22:45
